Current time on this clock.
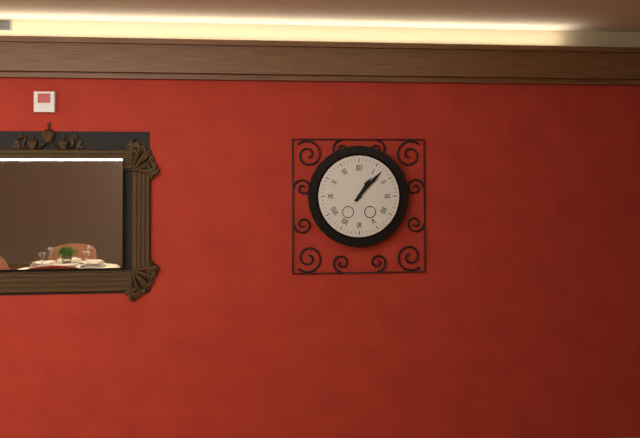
1:07
